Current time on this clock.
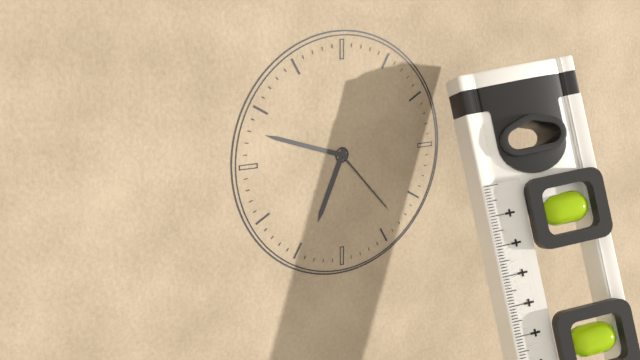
6:48:23
